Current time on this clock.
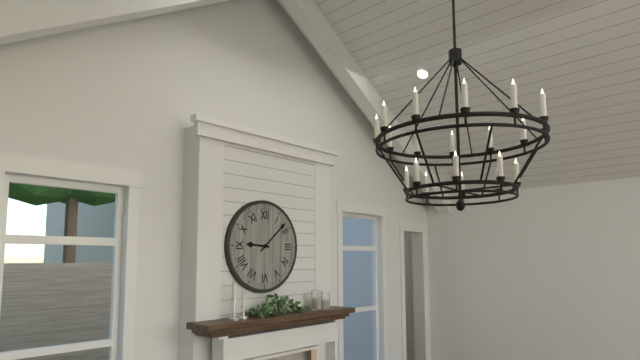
9:08
